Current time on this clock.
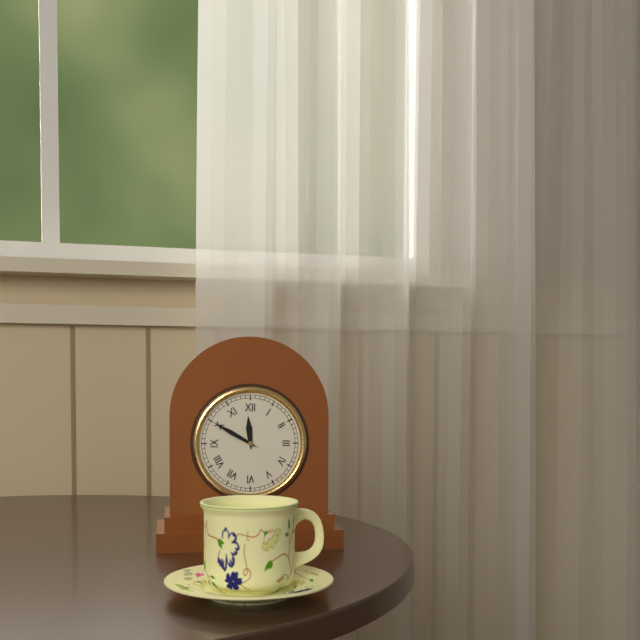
11:50
